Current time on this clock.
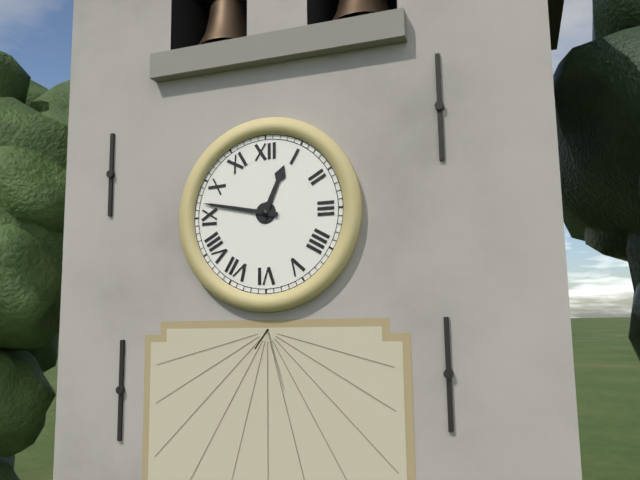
12:47
